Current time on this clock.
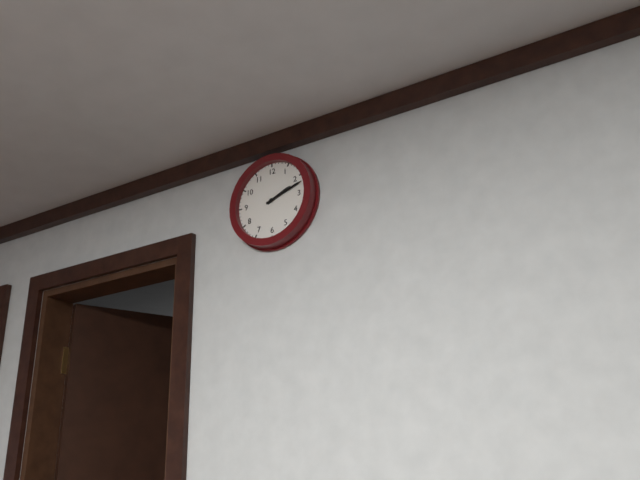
2:12
